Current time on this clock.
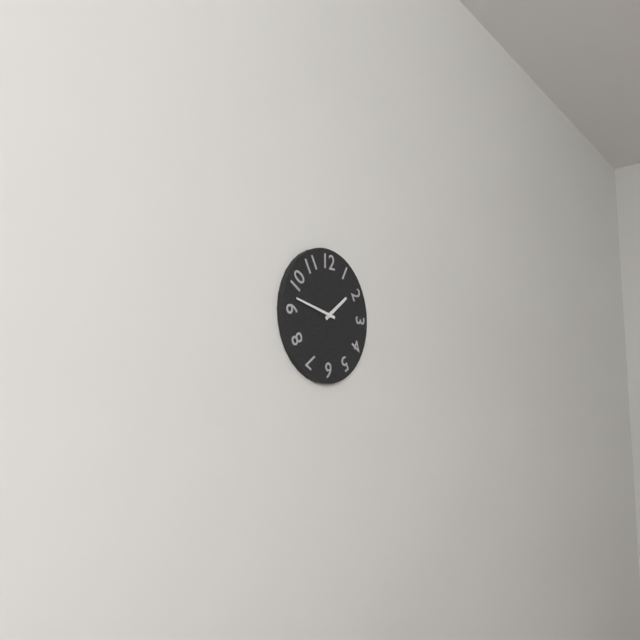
1:47
